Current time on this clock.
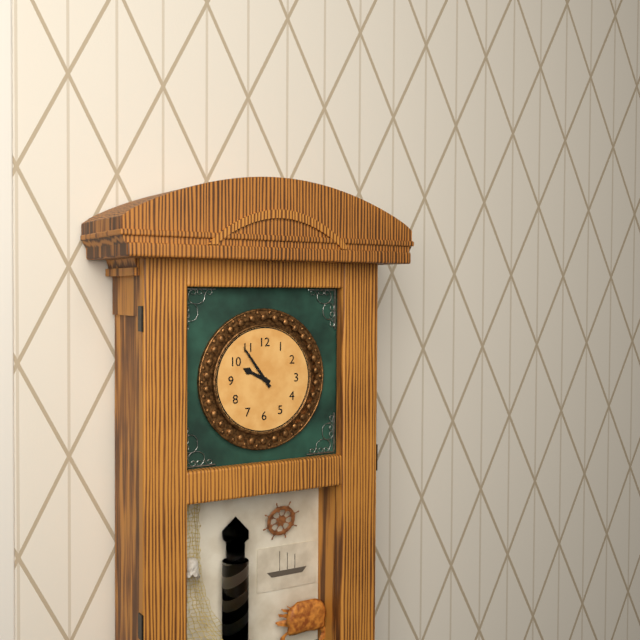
9:54
